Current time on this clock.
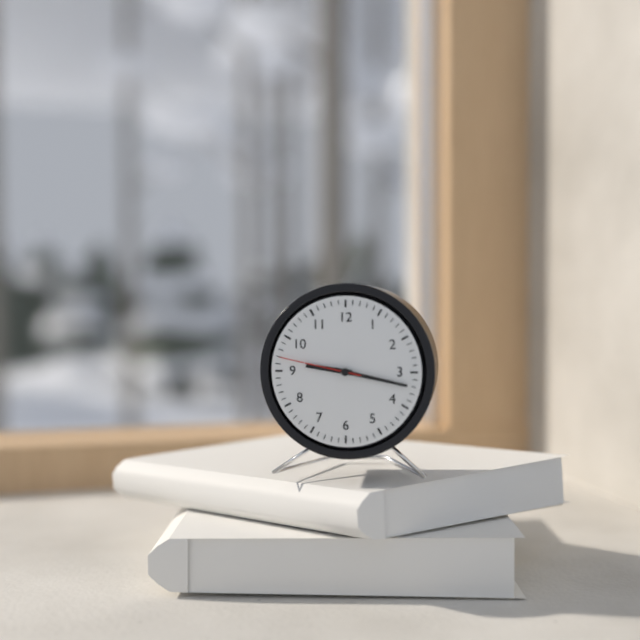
9:17:47
